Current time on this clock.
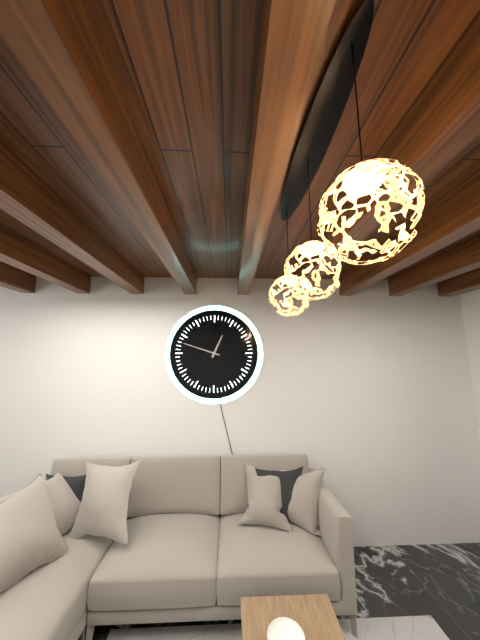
12:48
